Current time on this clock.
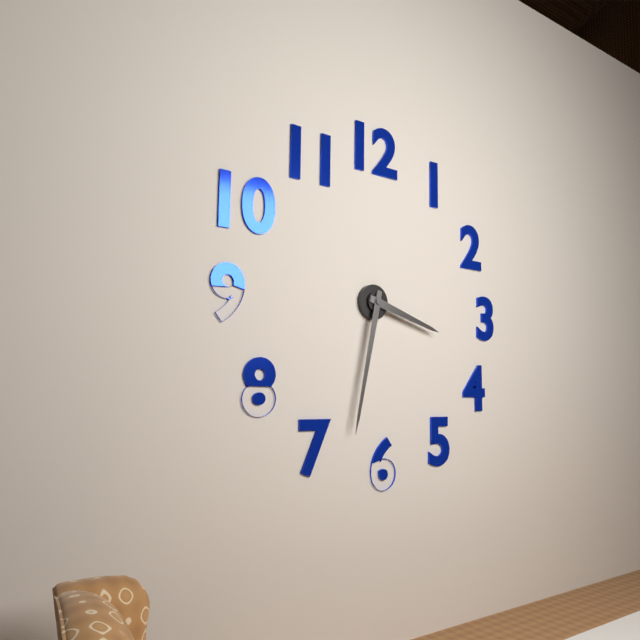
3:32
